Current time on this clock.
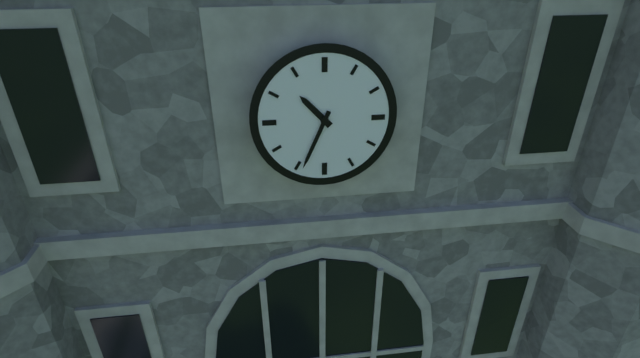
10:34
